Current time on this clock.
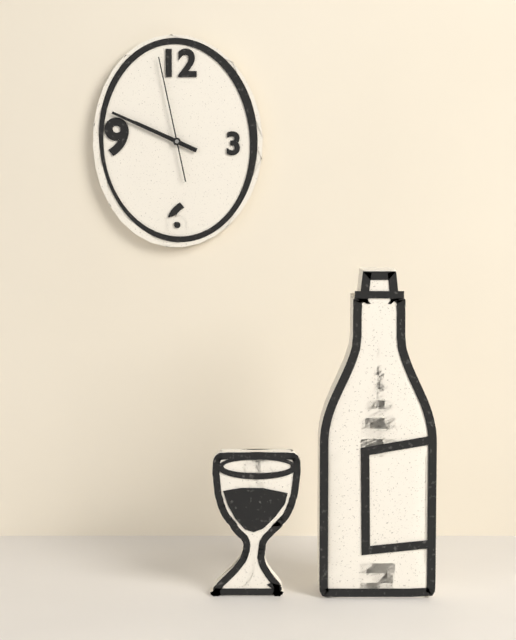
9:49:58
